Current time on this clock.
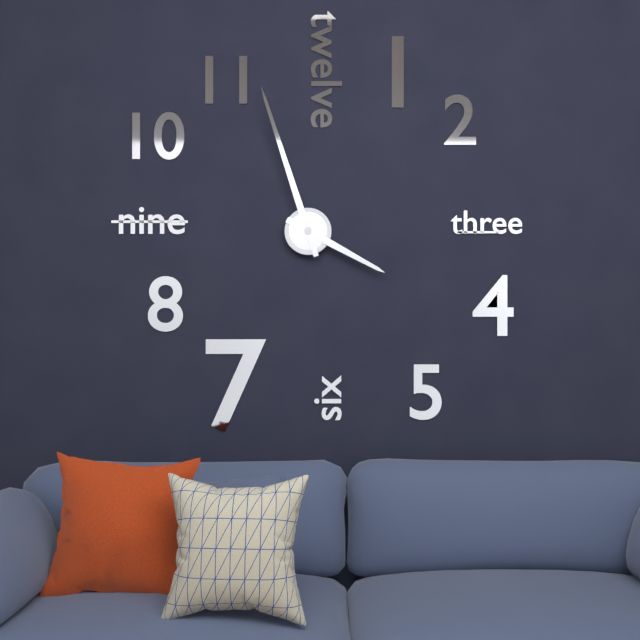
3:57
